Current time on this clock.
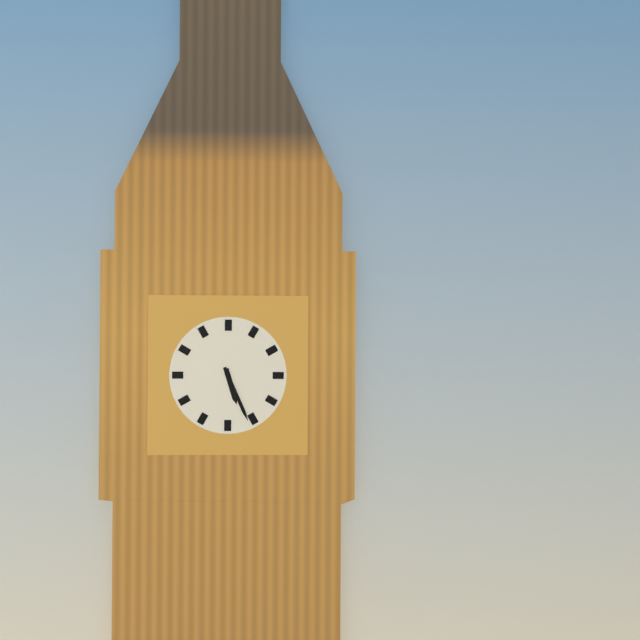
5:26
